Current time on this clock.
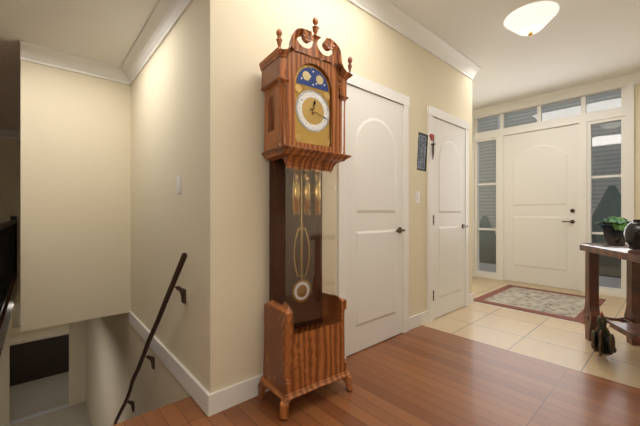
12:18
